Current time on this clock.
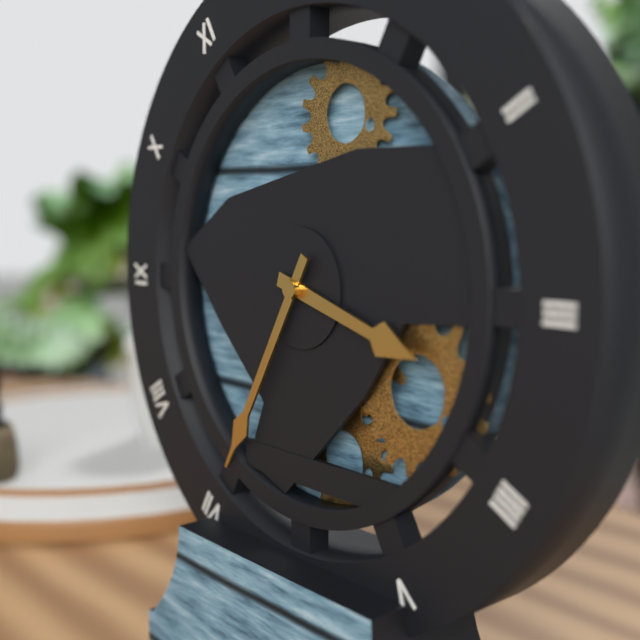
3:35
